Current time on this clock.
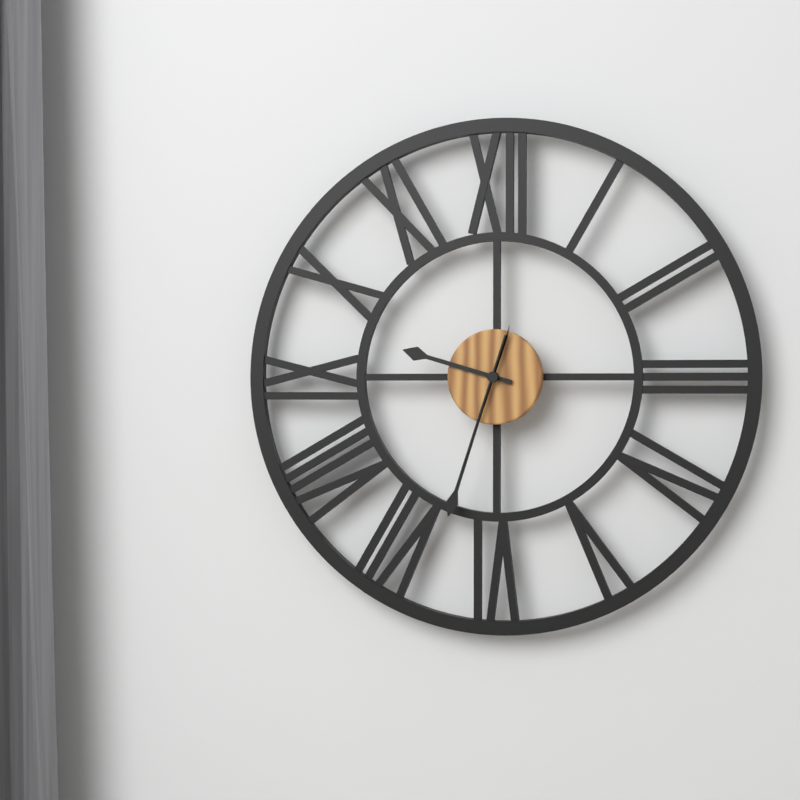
9:33
